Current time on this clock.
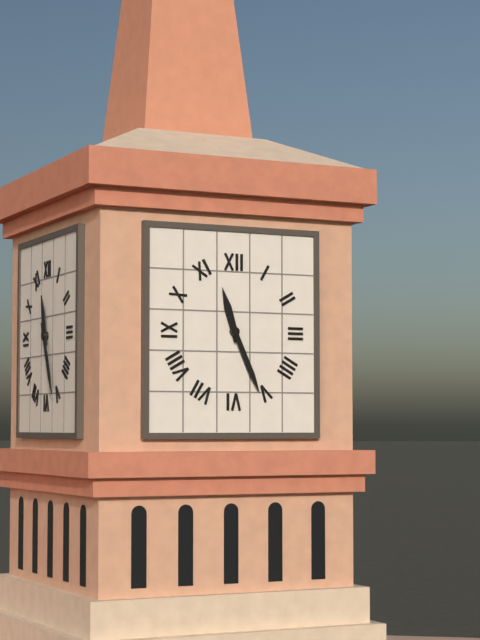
11:26
